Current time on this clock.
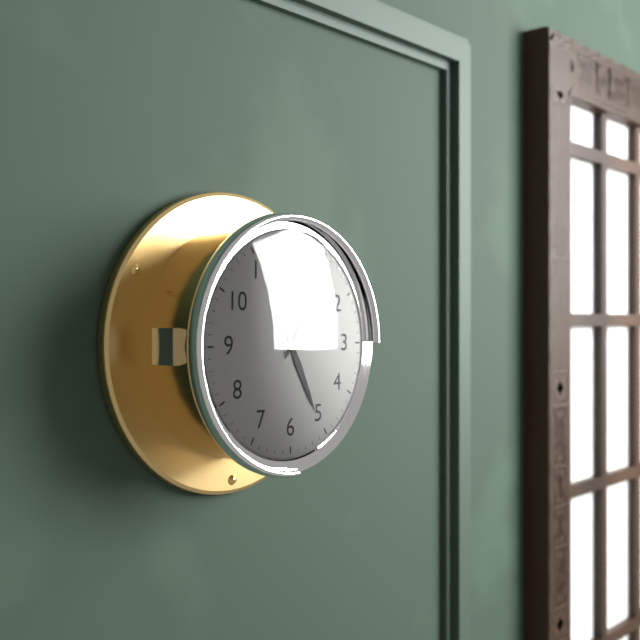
5:06
